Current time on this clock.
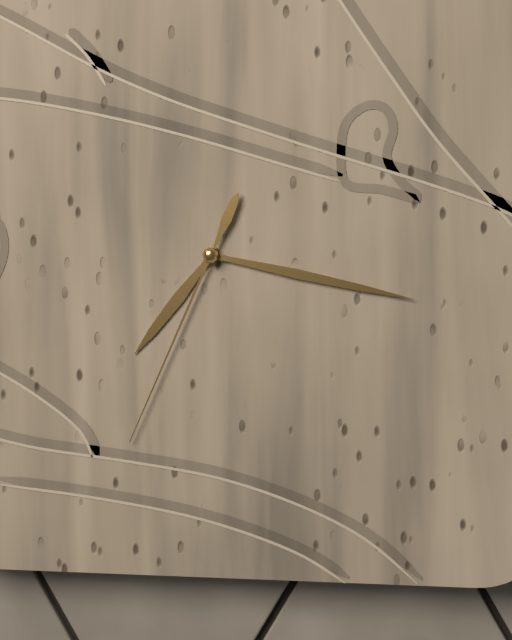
7:17:34
